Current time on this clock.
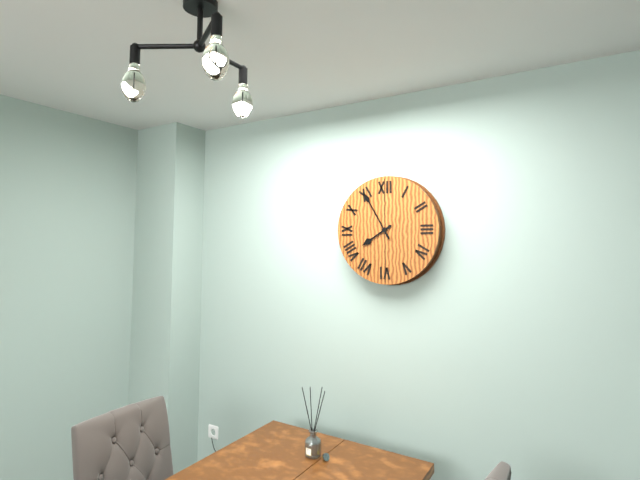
7:55
